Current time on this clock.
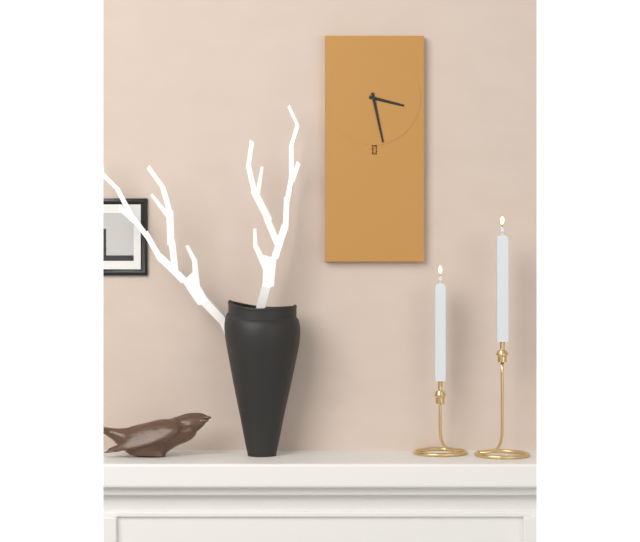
3:28
